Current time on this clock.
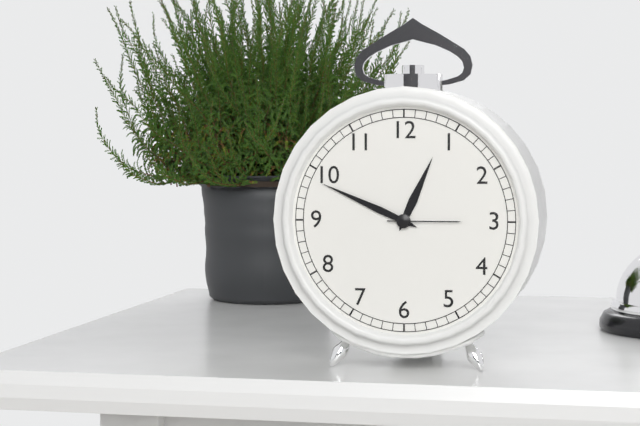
12:49:15
